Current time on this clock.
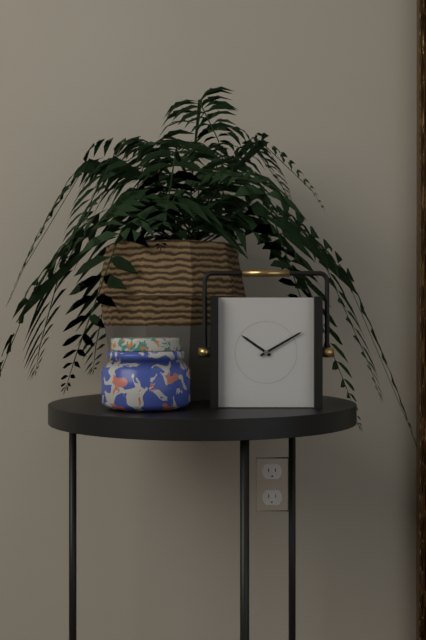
10:10
